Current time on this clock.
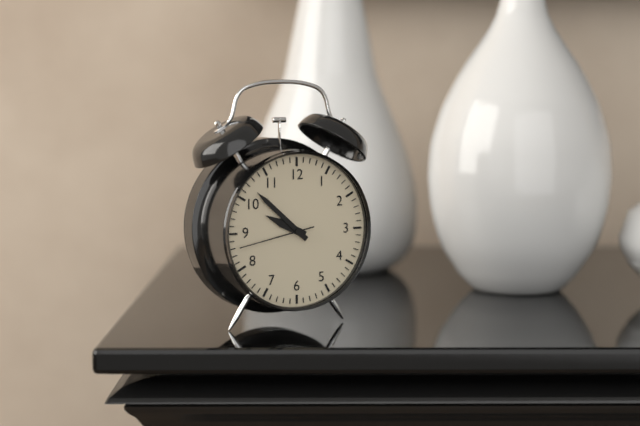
9:52:43
